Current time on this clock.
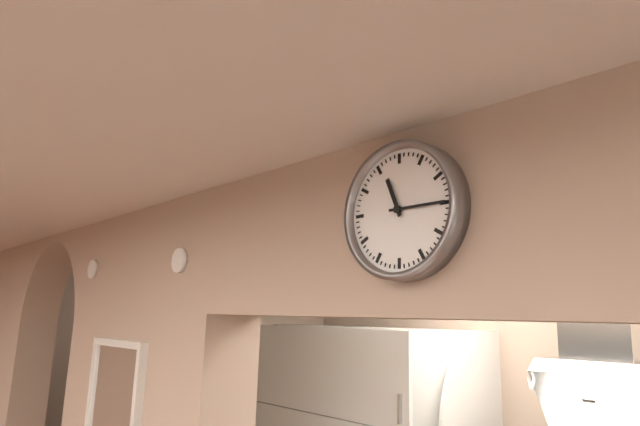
11:15
